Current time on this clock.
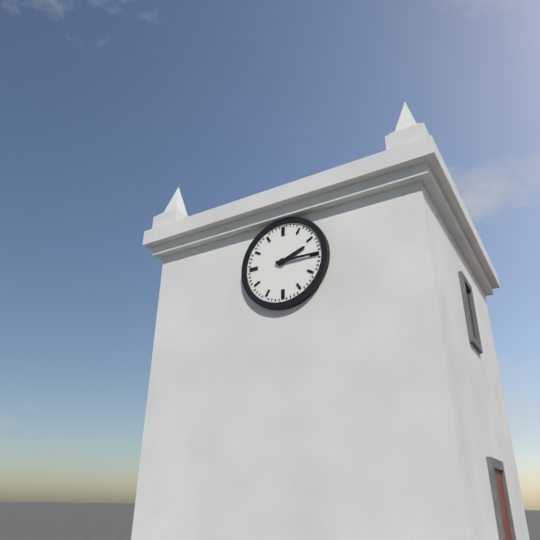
2:15
